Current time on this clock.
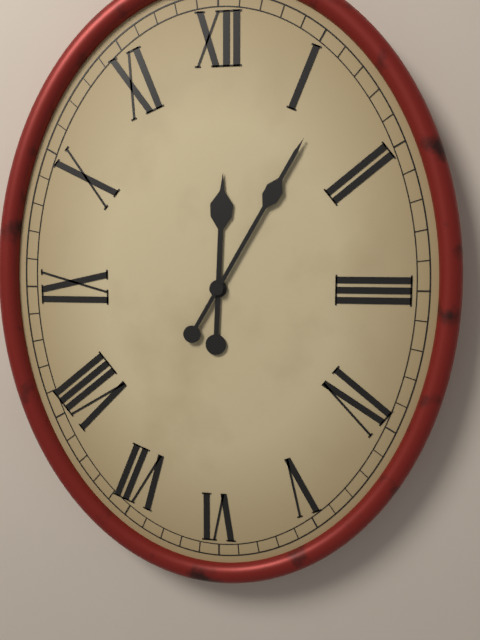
12:05
